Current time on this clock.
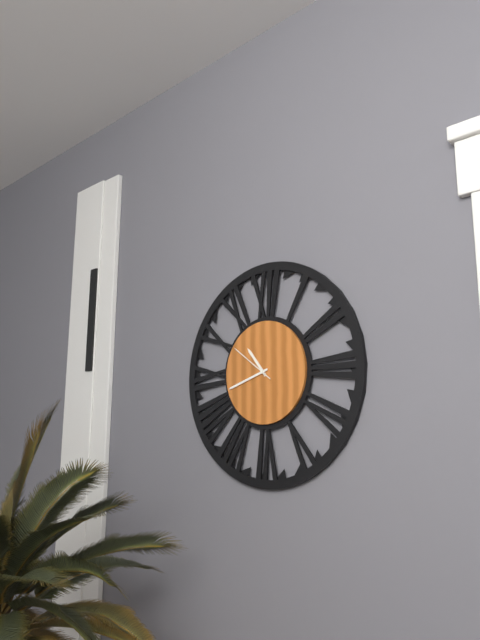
10:42:51
